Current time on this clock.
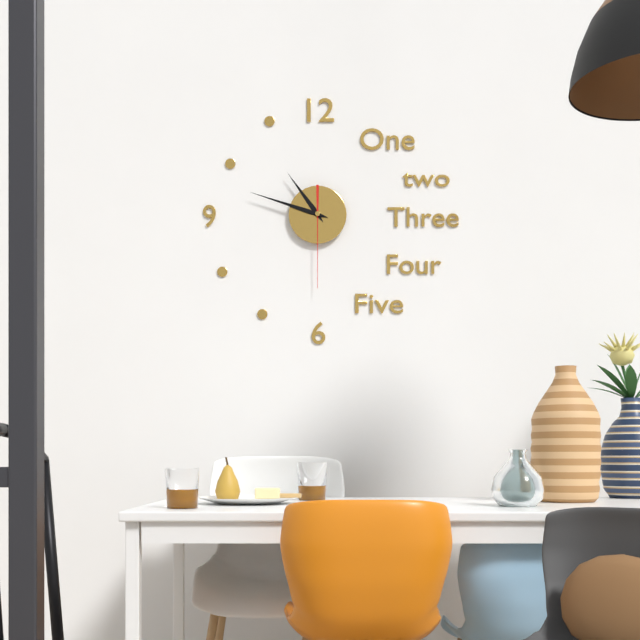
10:48:30
